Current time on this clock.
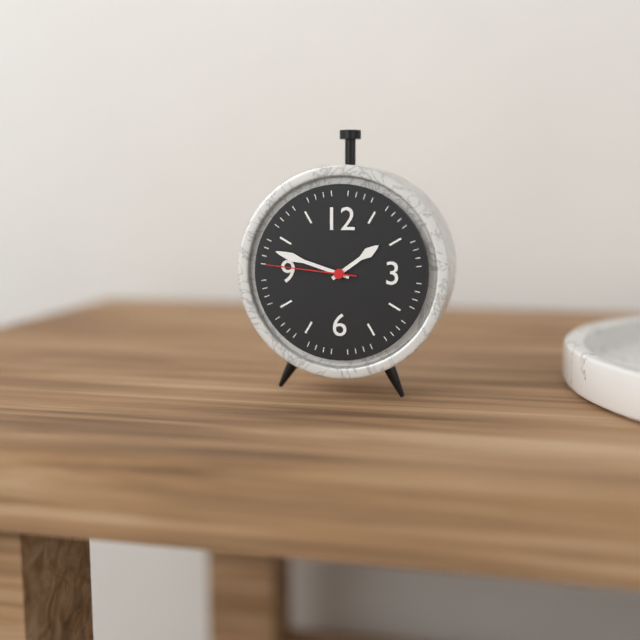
1:48:46
